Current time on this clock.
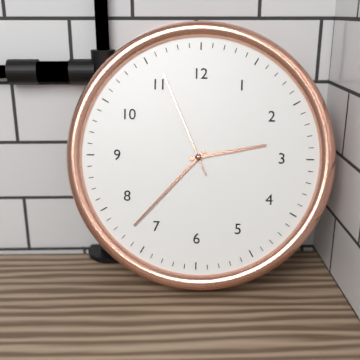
2:37:56
